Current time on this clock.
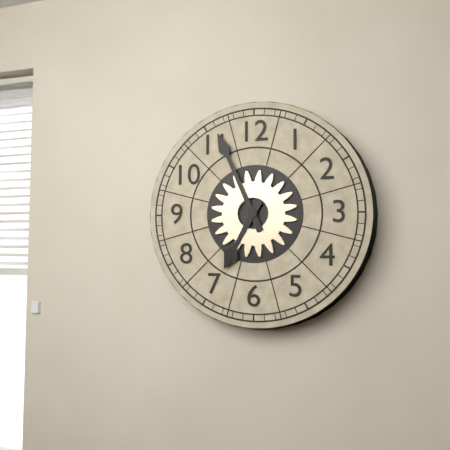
6:56
